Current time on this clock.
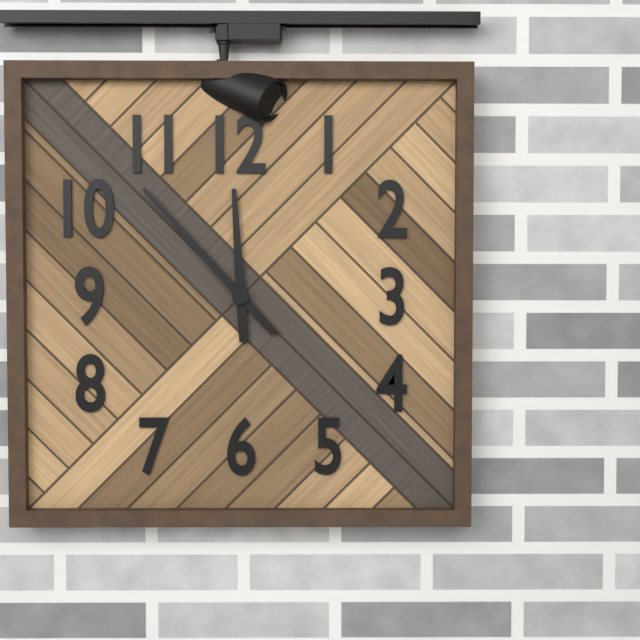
11:53
